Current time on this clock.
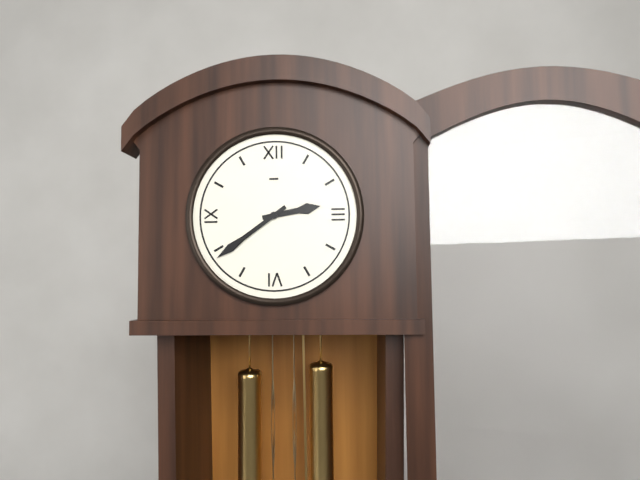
2:39
